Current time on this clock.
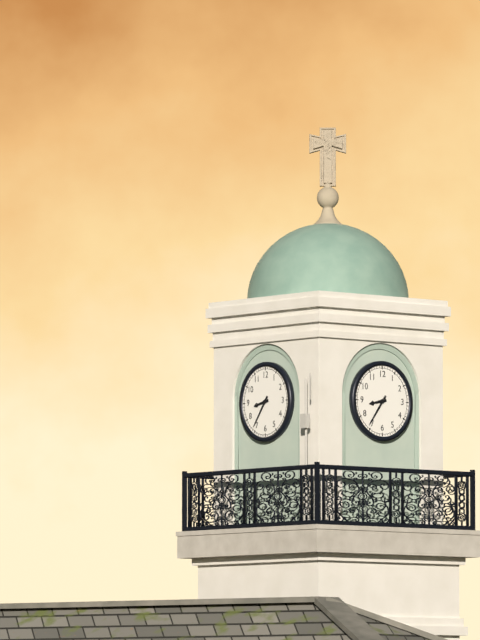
8:36
